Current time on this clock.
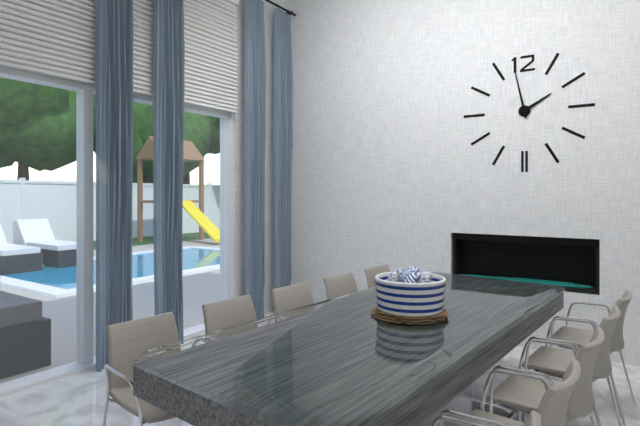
1:58
